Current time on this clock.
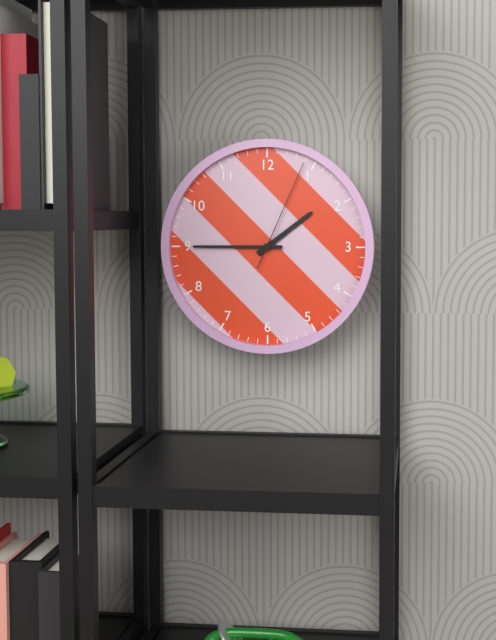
1:45:04
